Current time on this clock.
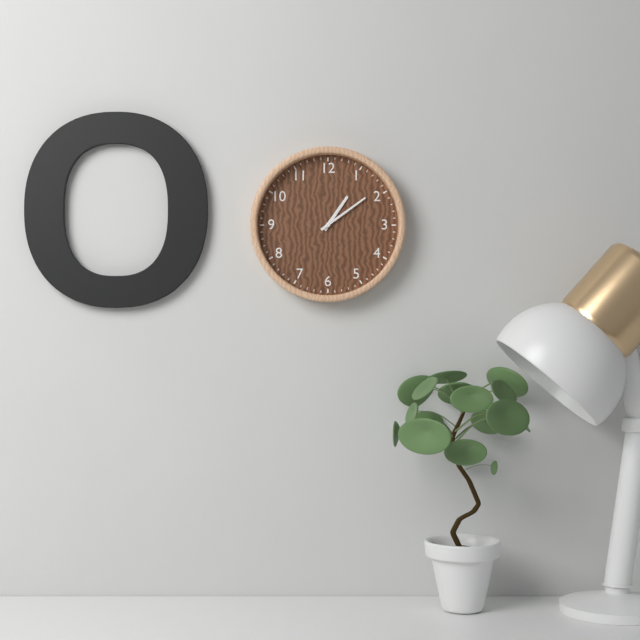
1:09
